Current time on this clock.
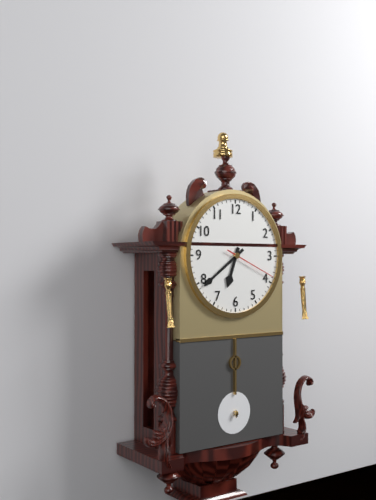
6:39:19
